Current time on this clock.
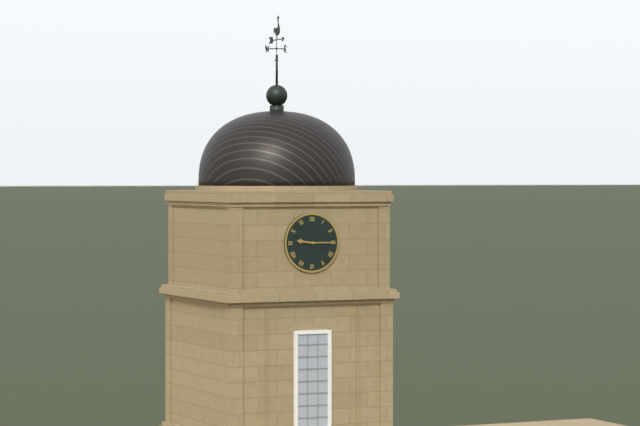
9:15
